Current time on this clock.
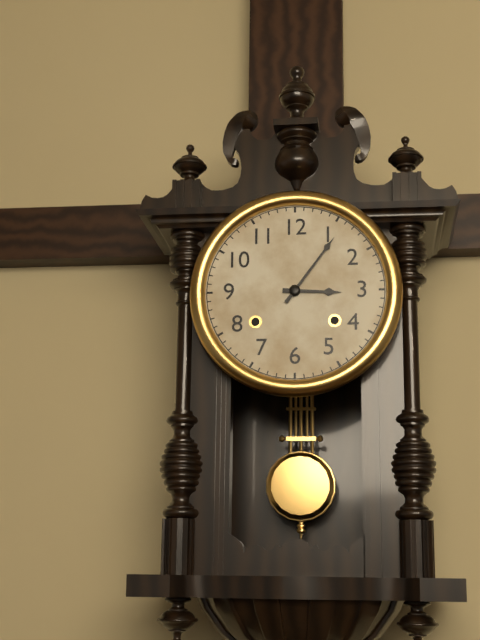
3:06
